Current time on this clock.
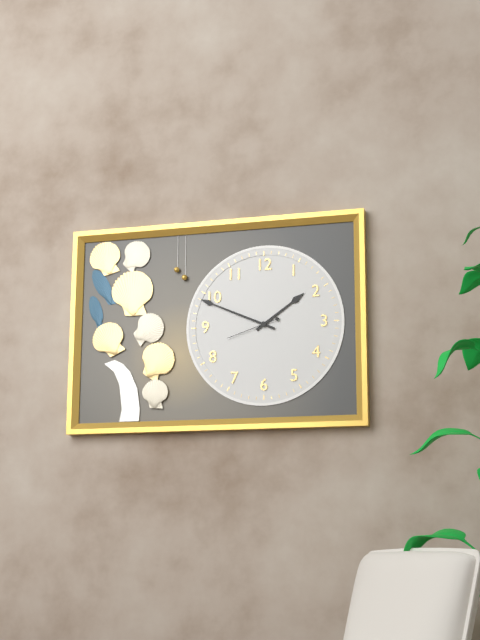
1:49
